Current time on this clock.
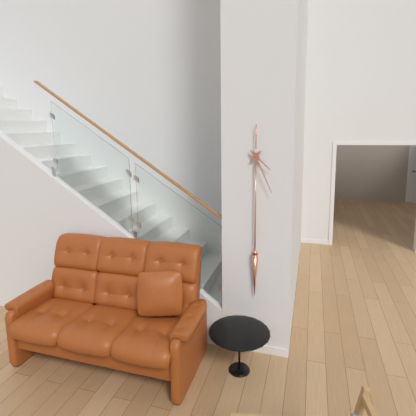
4:26
